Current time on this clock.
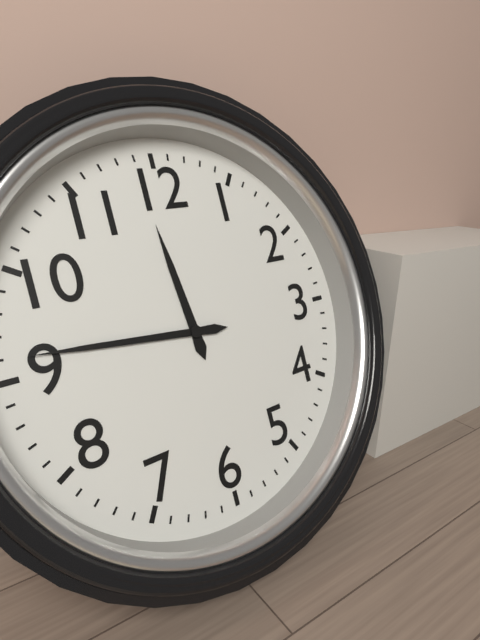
11:46
